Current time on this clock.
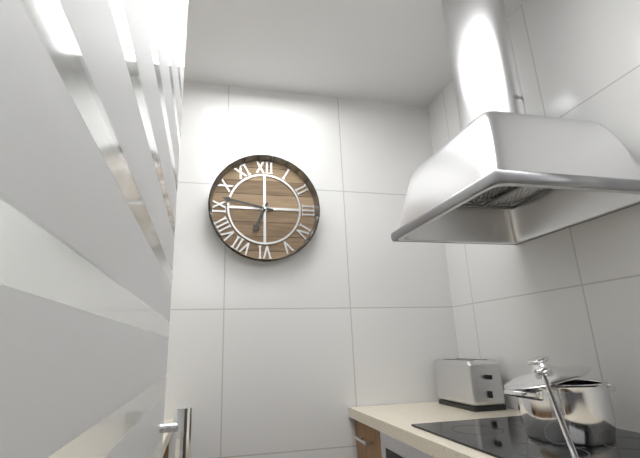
6:47
